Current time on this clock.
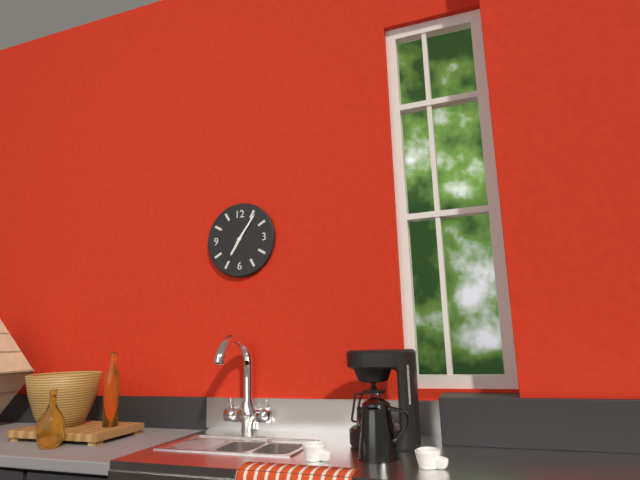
7:06
